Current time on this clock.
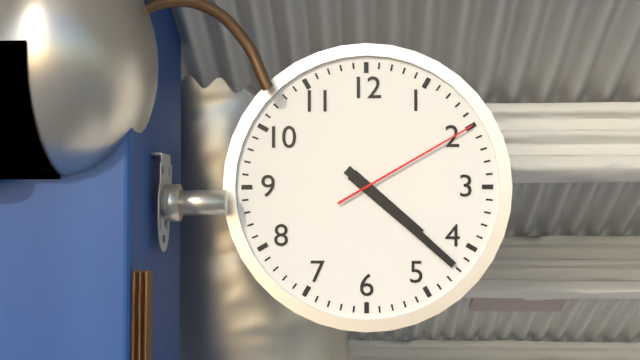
4:22:10
